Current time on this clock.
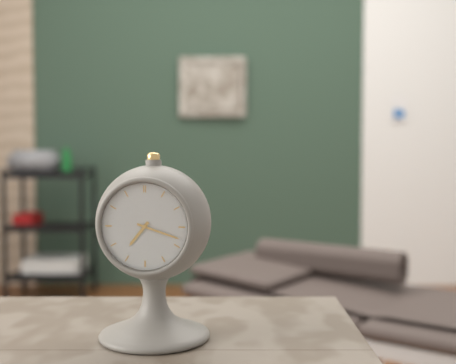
7:18
